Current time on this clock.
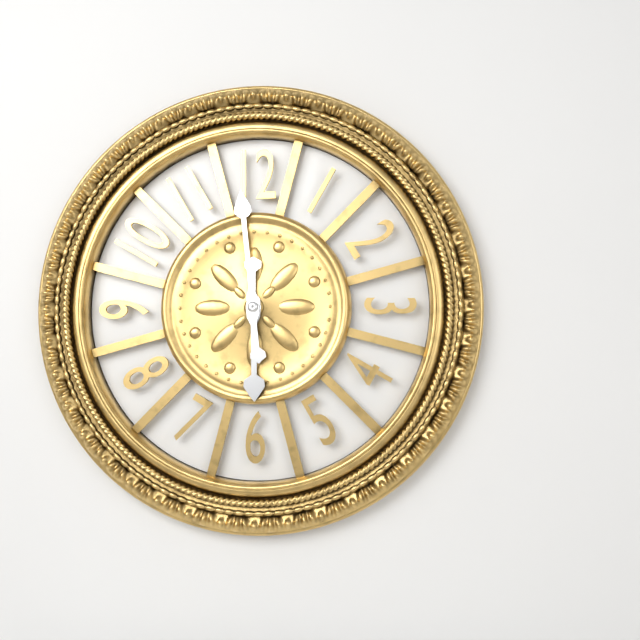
5:59
